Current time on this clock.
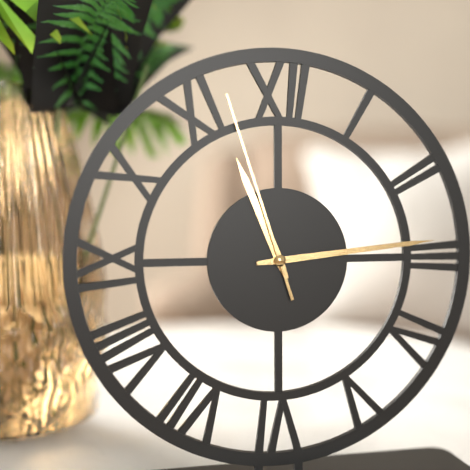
11:14:57
